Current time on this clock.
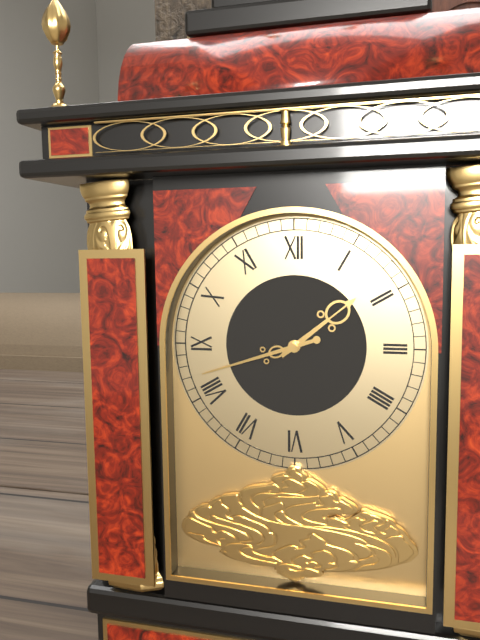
1:42
